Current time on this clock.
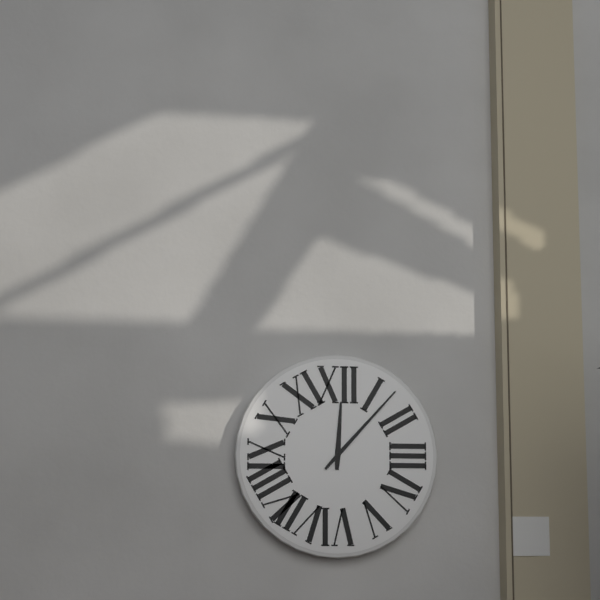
12:07
